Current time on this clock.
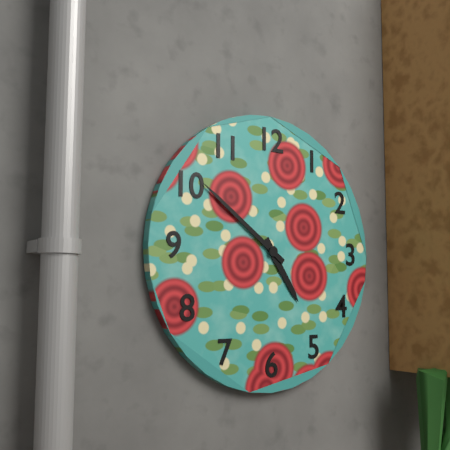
4:51
